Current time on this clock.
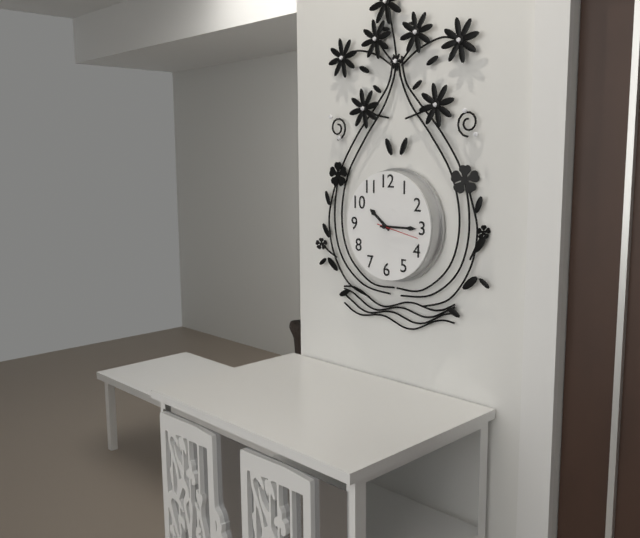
10:15
